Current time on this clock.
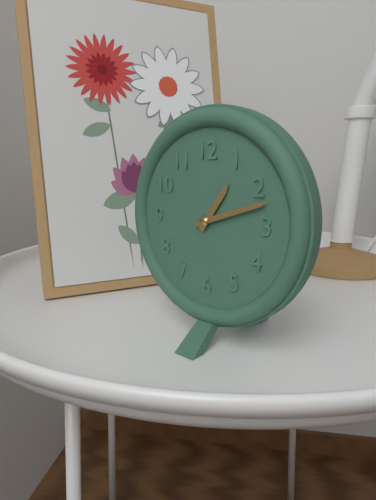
1:12
